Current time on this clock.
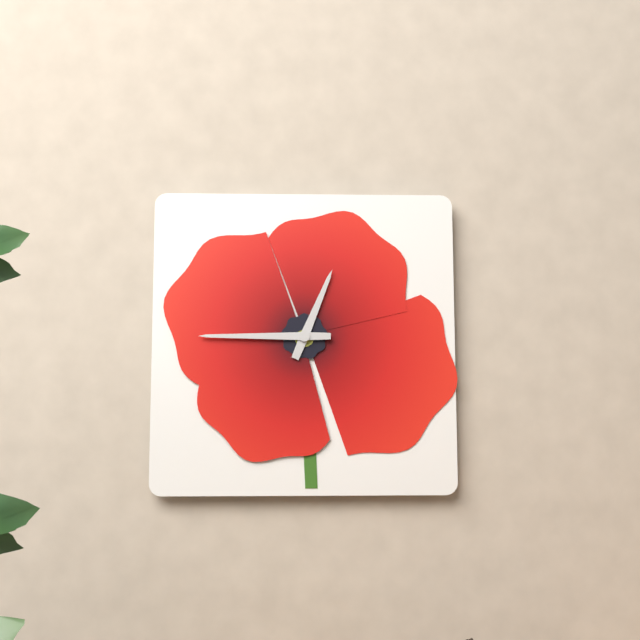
12:45
